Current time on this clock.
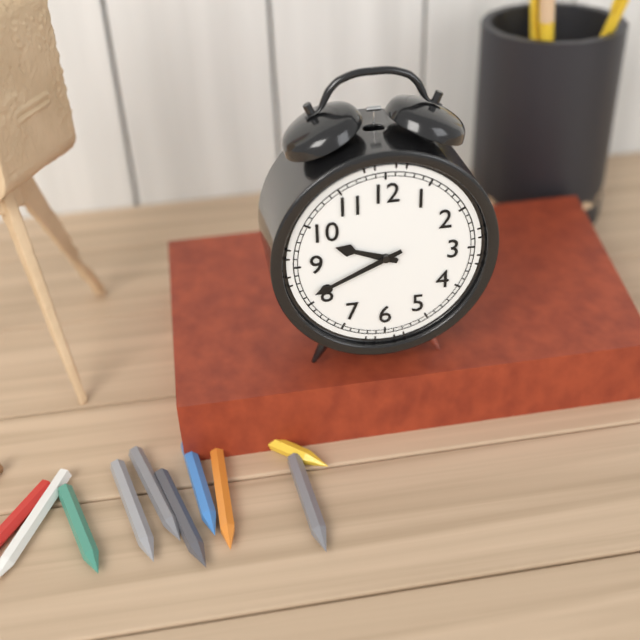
9:41
